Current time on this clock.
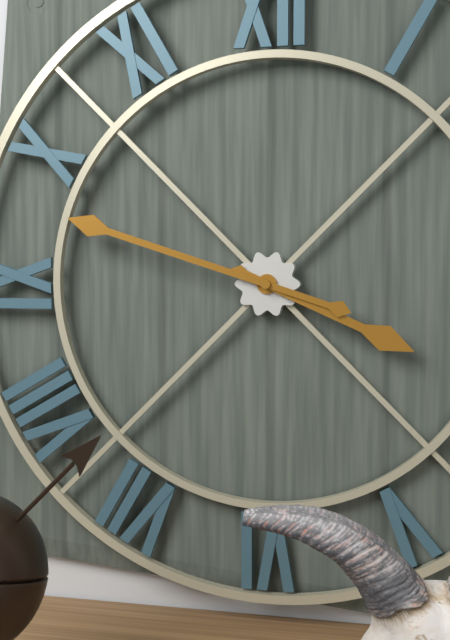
3:48
